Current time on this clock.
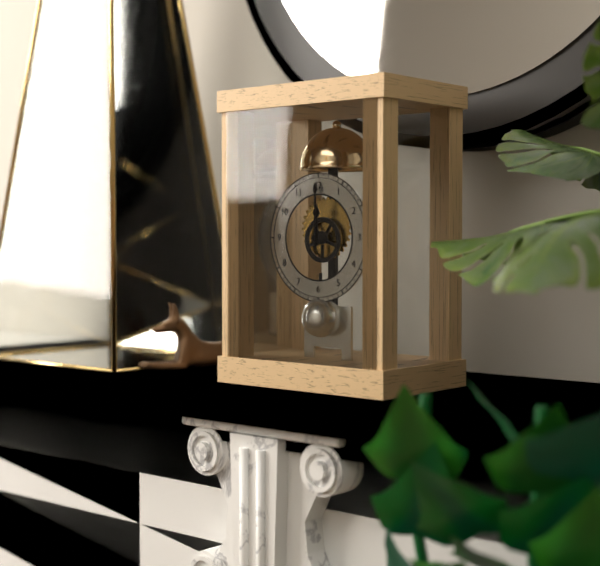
12:00
